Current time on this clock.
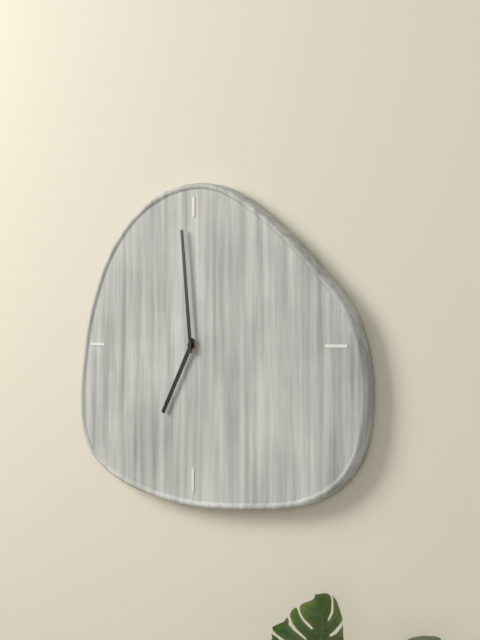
6:59
